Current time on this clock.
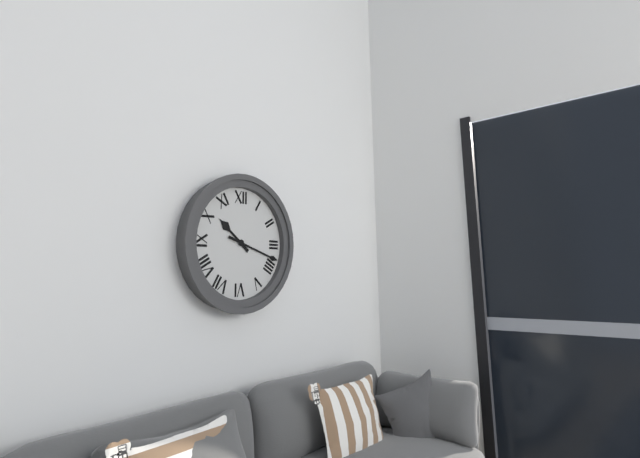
10:18
